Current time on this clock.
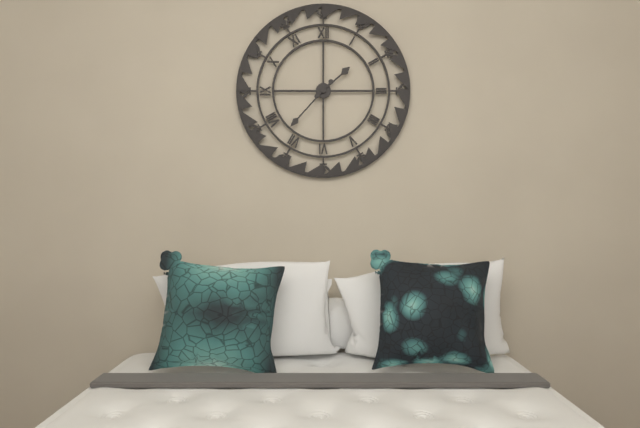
1:37
